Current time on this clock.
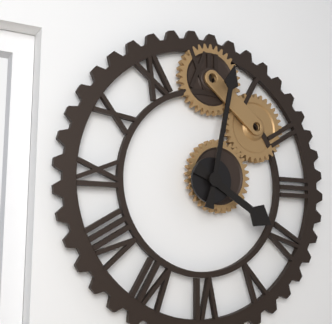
4:02
